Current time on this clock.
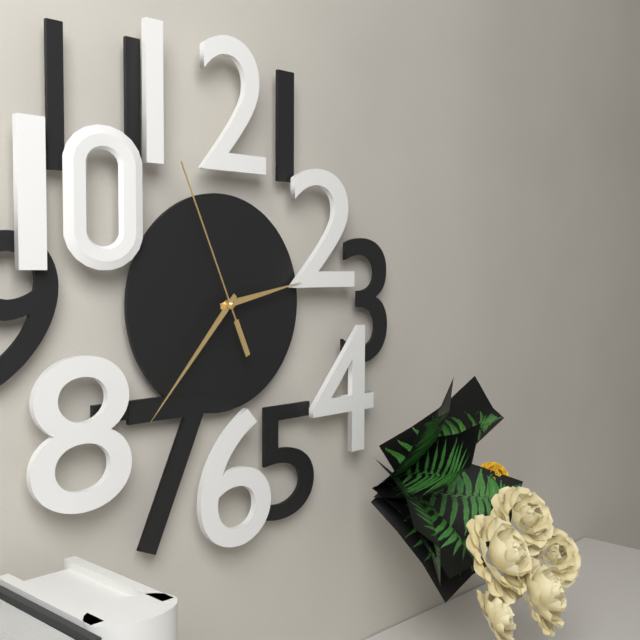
2:37:56
